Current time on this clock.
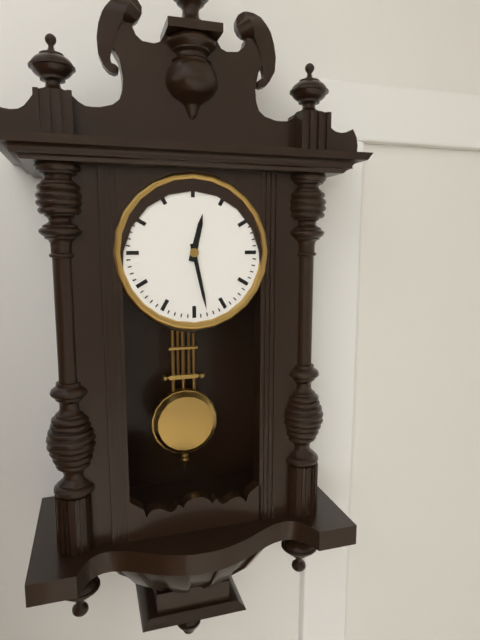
12:28
